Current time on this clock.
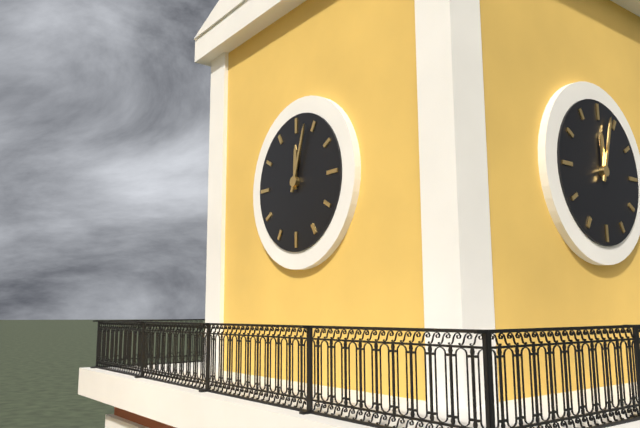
12:03
